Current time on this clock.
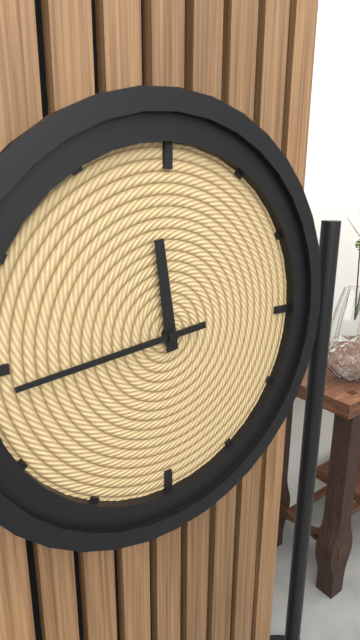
11:44
